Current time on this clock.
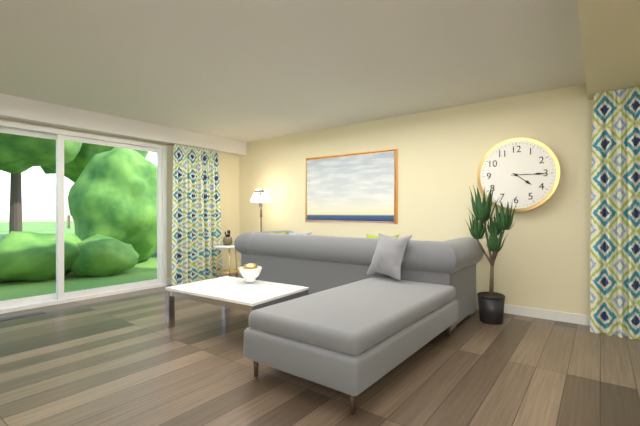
4:15
